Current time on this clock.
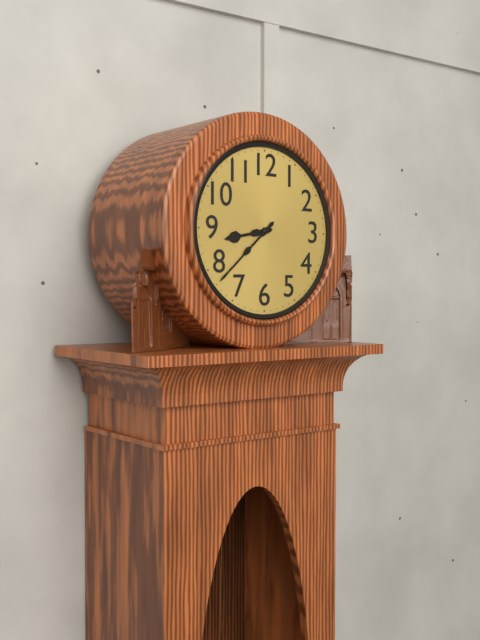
8:38
